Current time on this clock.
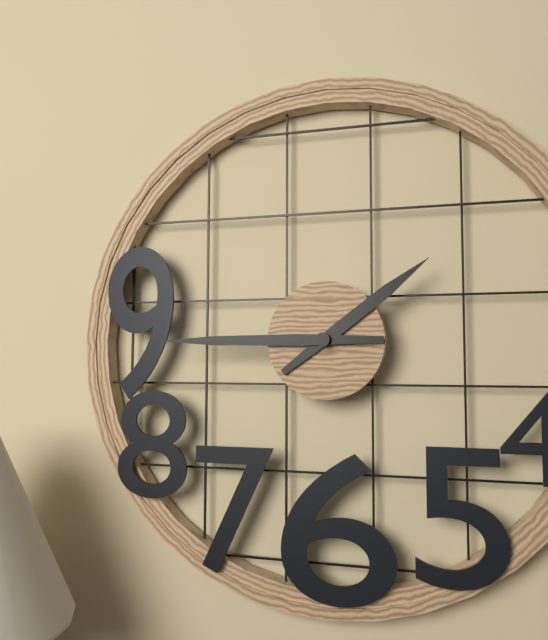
1:45
